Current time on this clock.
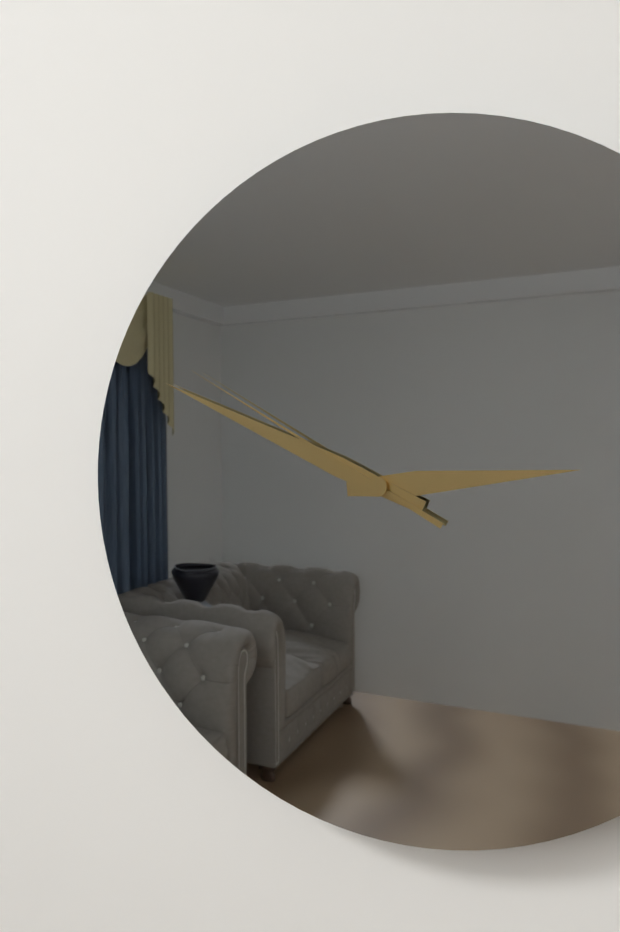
2:49:50
